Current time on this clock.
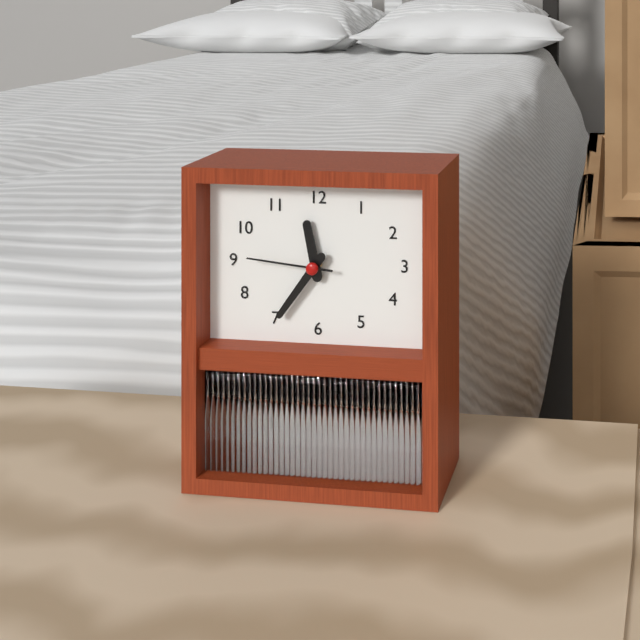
11:36:46
